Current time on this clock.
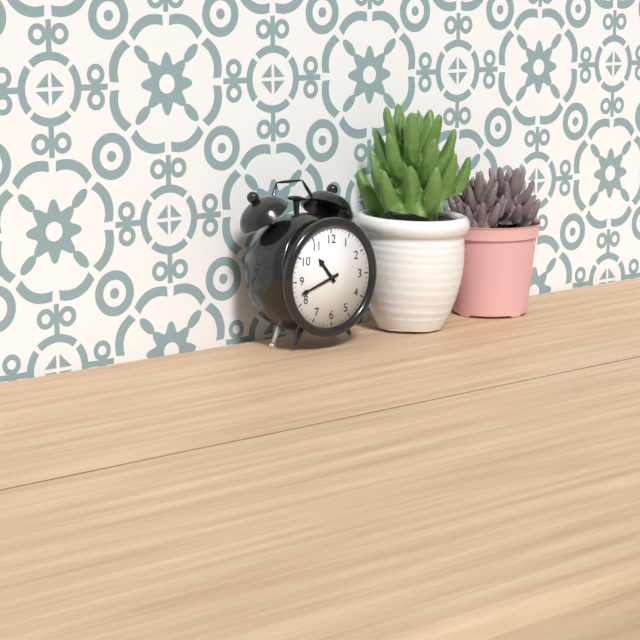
10:42
